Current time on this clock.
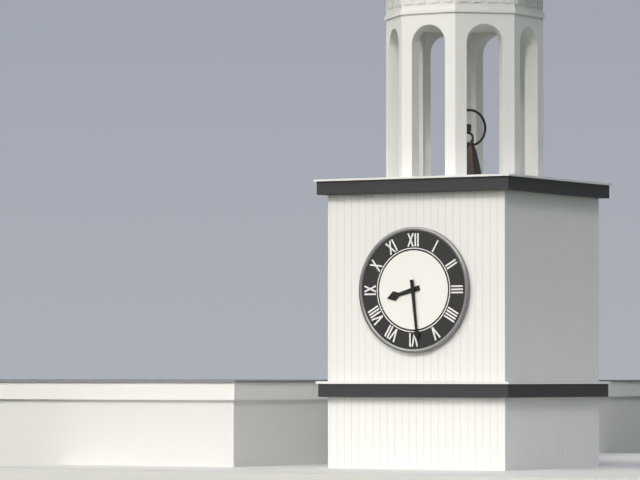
8:29
